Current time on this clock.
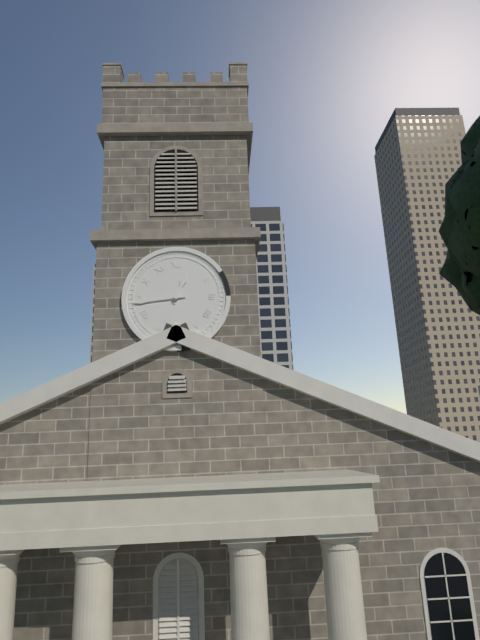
12:44
